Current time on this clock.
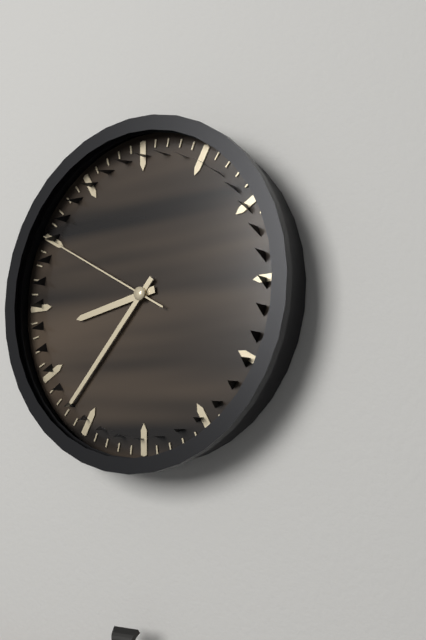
8:37:50
